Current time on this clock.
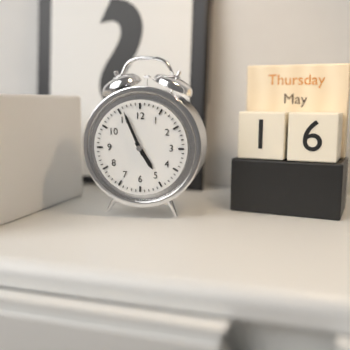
4:56
